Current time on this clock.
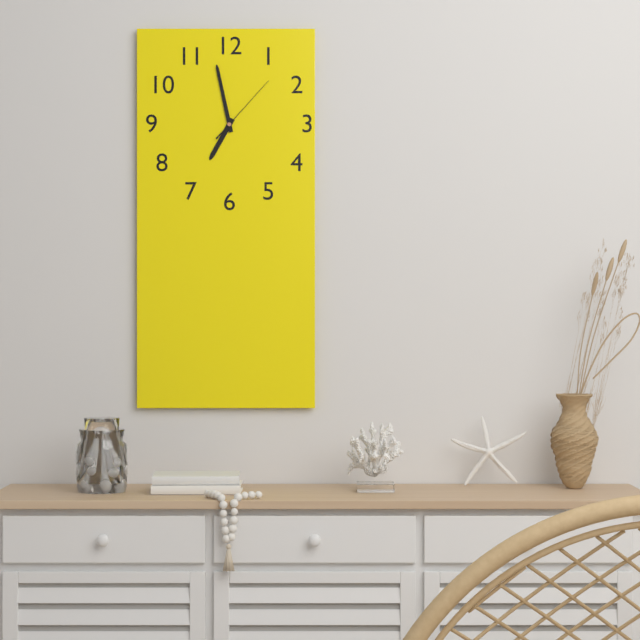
6:58:07
